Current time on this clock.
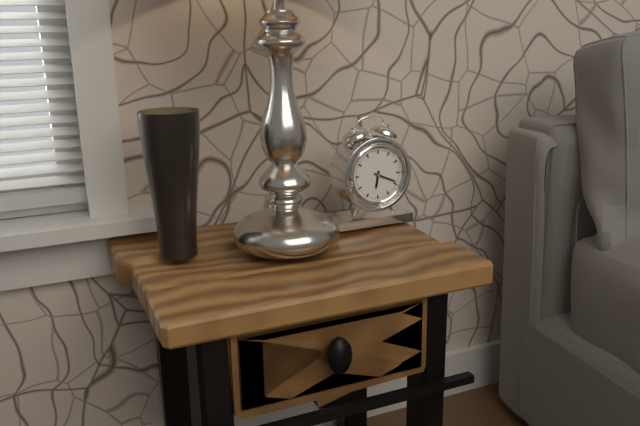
6:19
